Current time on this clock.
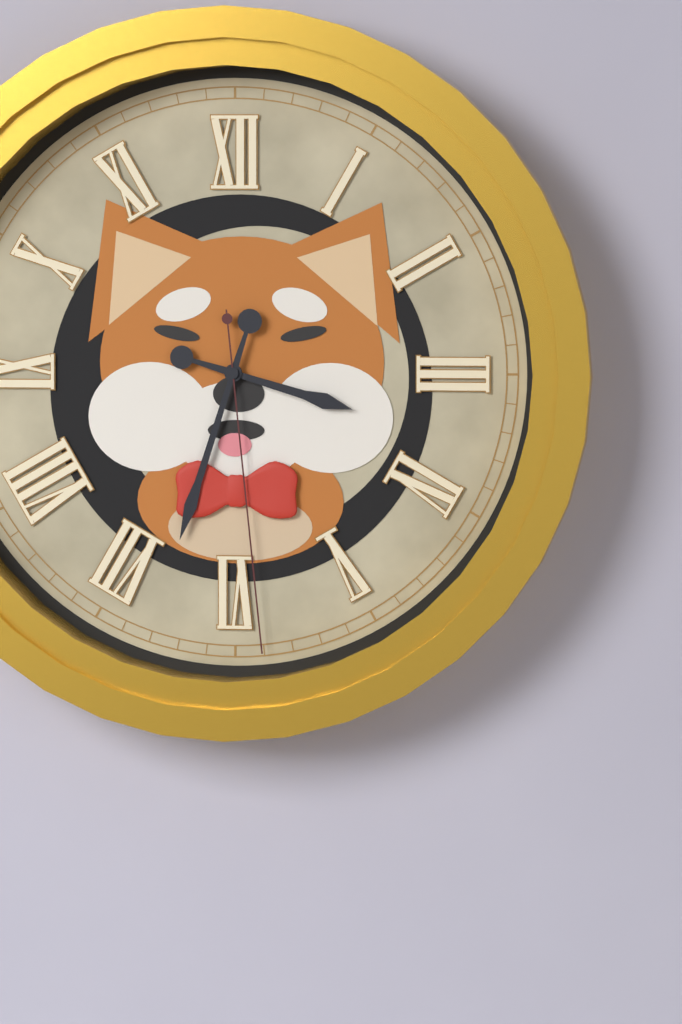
3:33:29
